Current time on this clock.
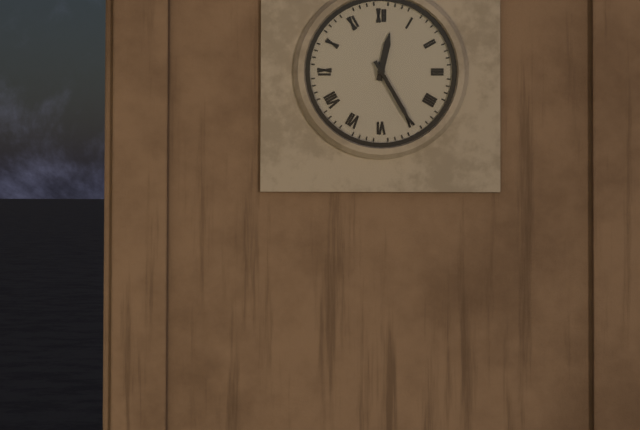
12:25
